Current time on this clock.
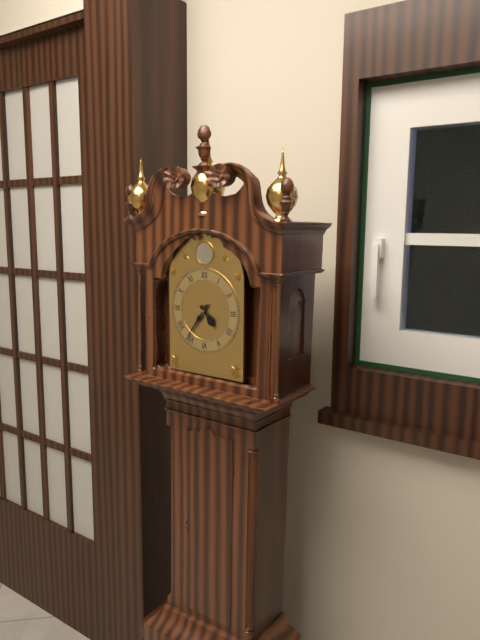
4:36
